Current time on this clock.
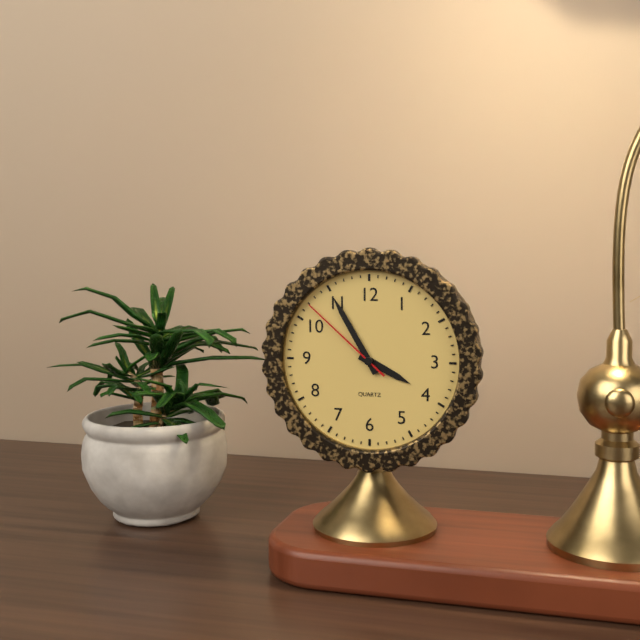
3:55:52
